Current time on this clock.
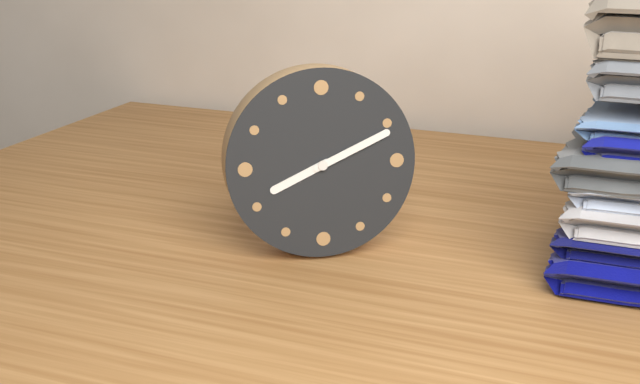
8:11
